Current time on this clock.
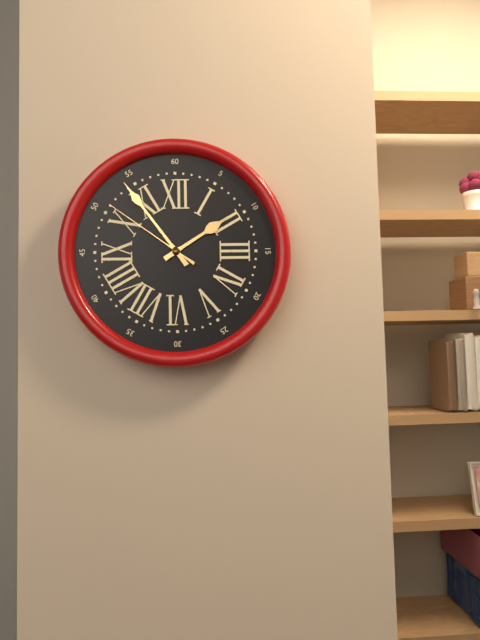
1:54:51
